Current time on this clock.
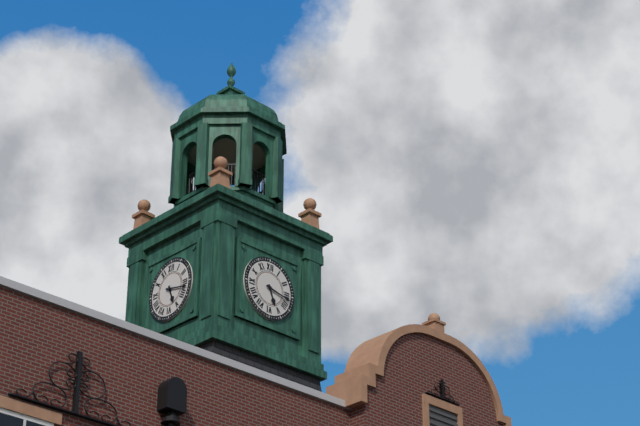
5:17
